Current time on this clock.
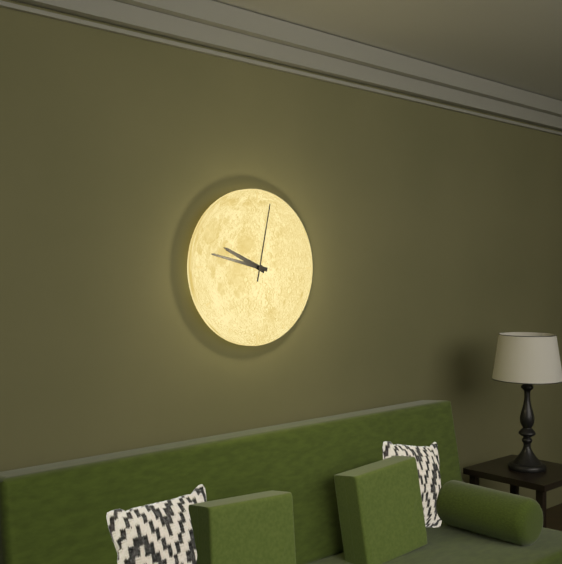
9:47:02
